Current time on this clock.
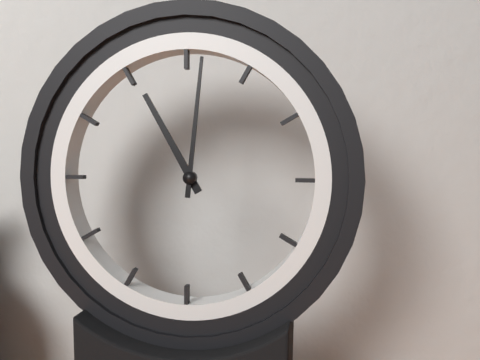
11:01
